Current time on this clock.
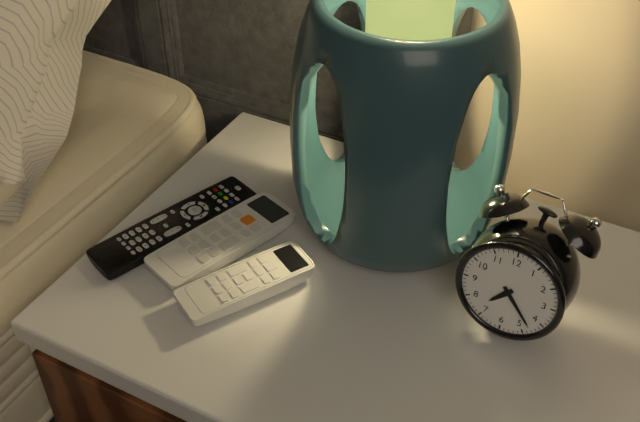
7:23
